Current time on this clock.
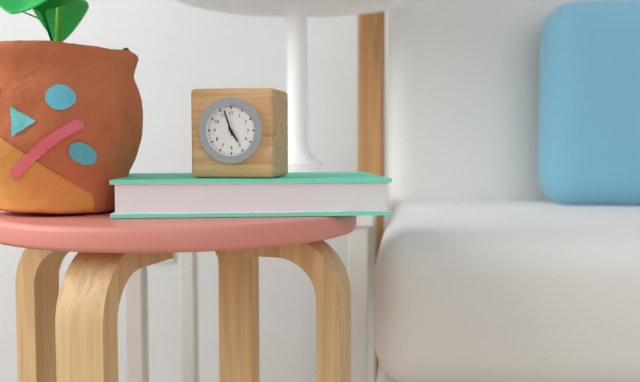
4:57
